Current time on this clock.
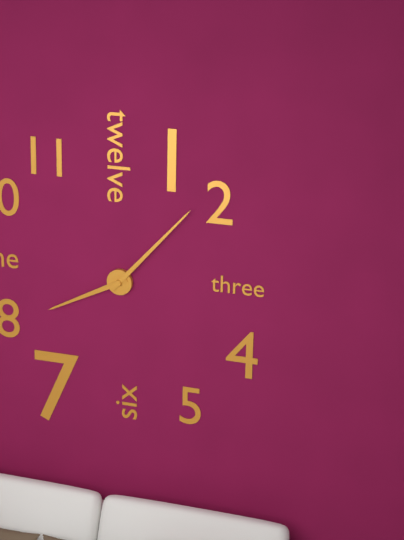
8:07
